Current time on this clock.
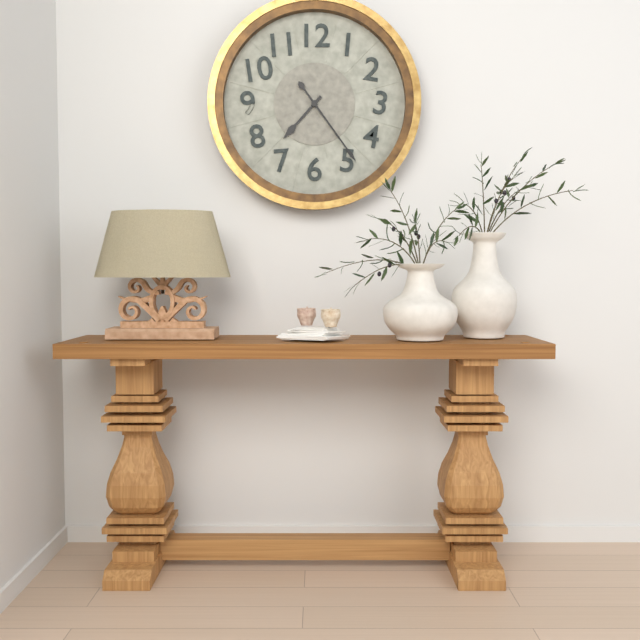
7:24
